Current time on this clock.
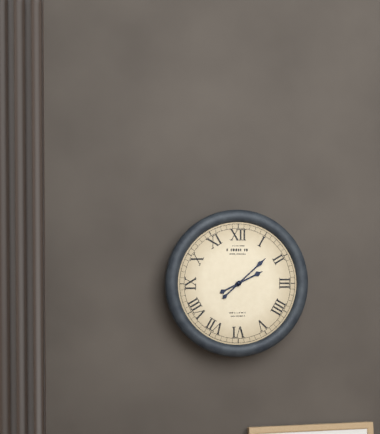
2:08
